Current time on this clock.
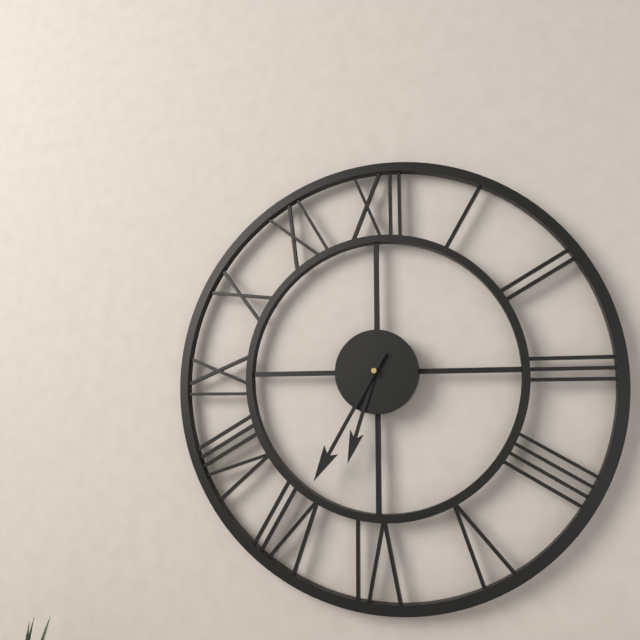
6:35
